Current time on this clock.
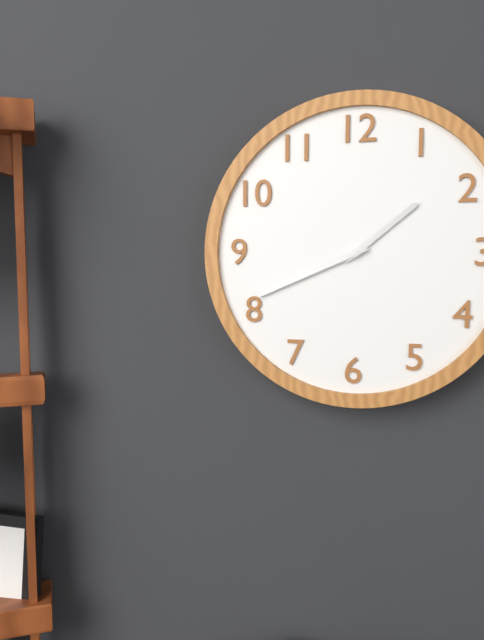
1:41
